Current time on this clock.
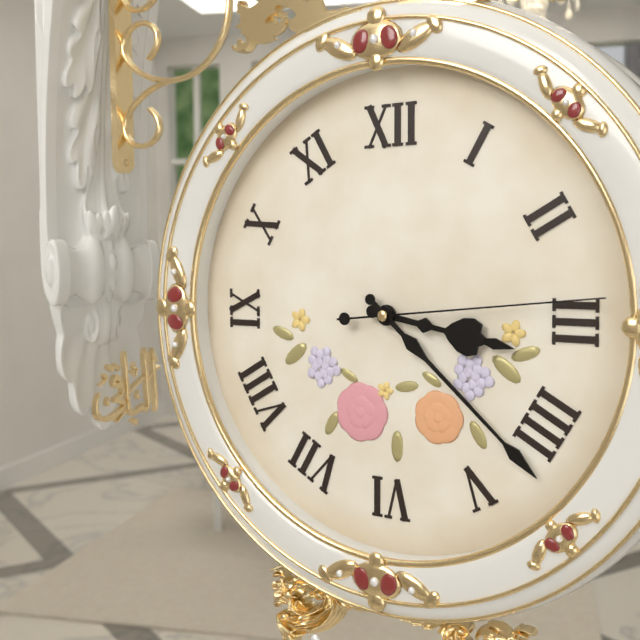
3:22:14
